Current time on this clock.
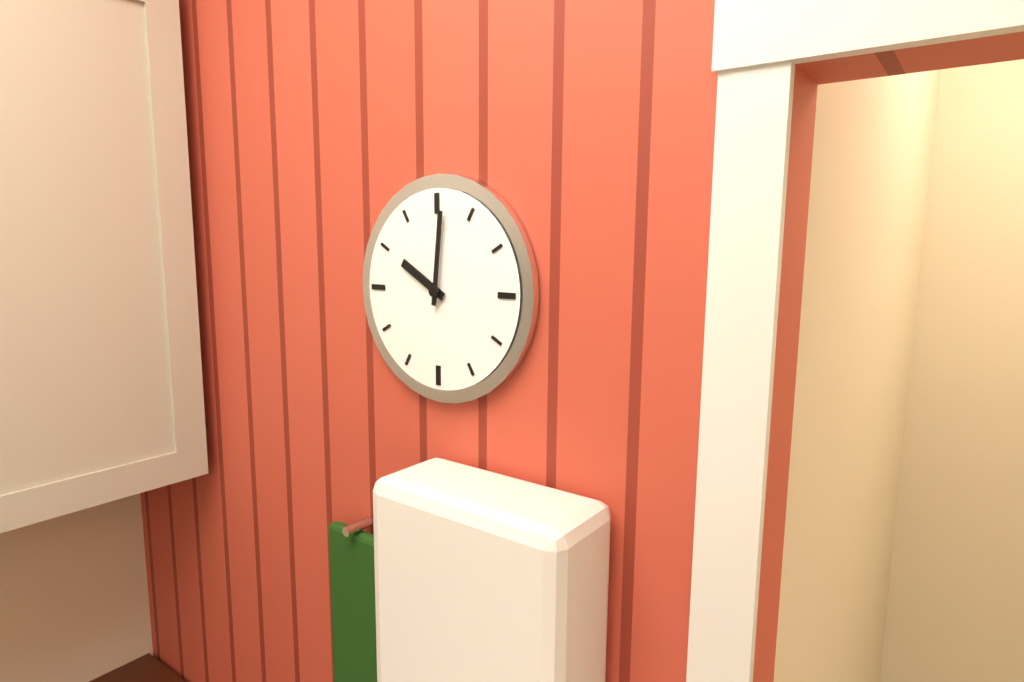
10:01
